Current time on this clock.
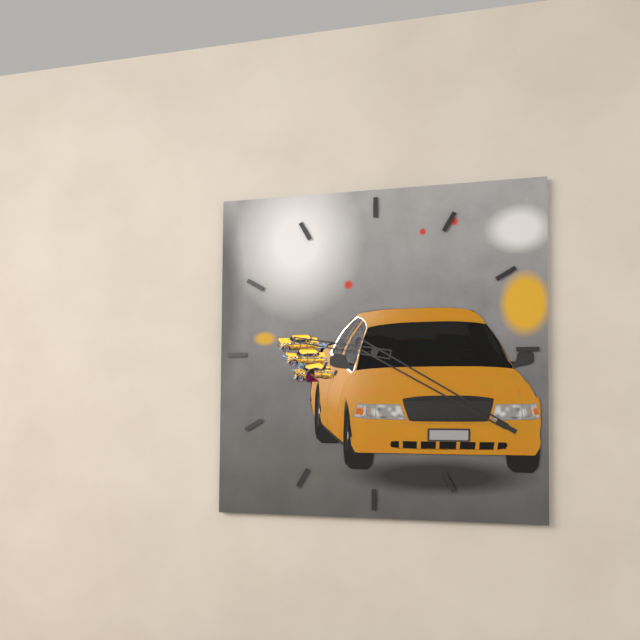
9:20
